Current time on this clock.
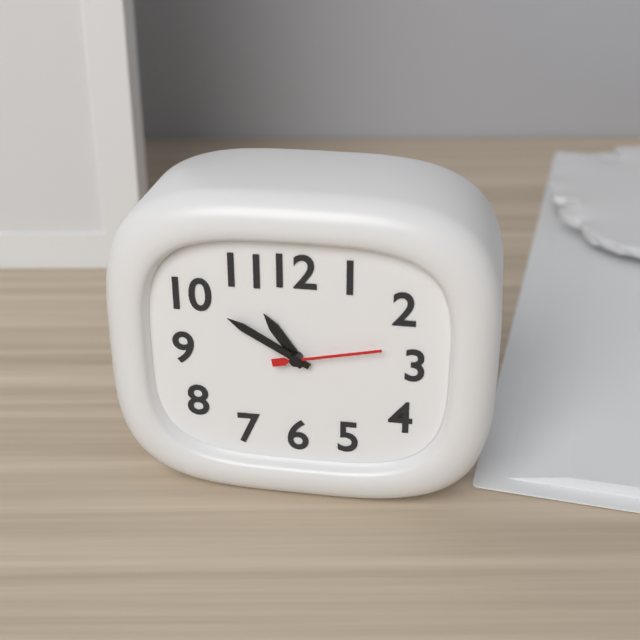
10:50:13
